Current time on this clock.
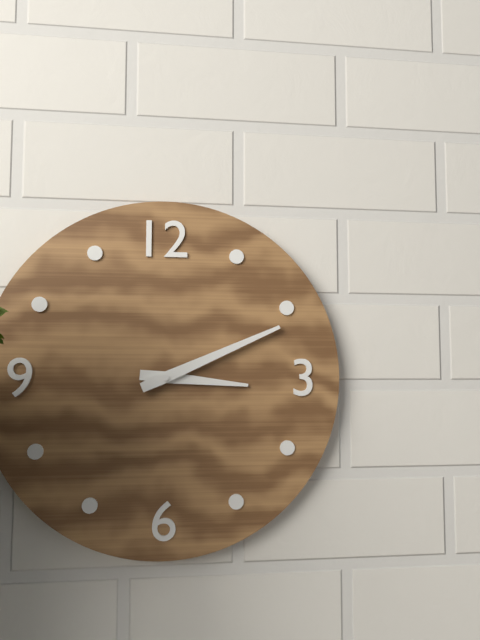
3:11
